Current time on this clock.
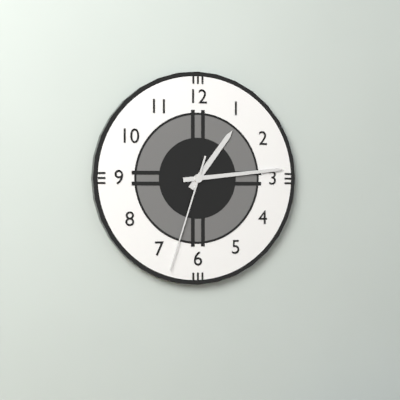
1:14:33
